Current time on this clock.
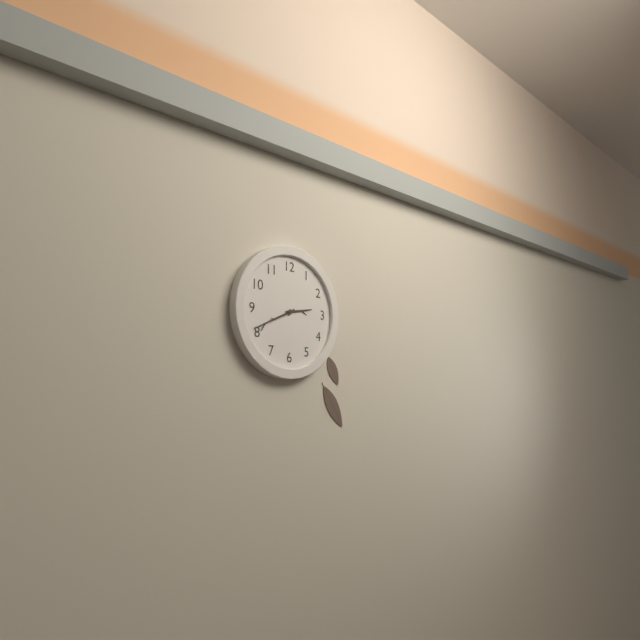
2:41
